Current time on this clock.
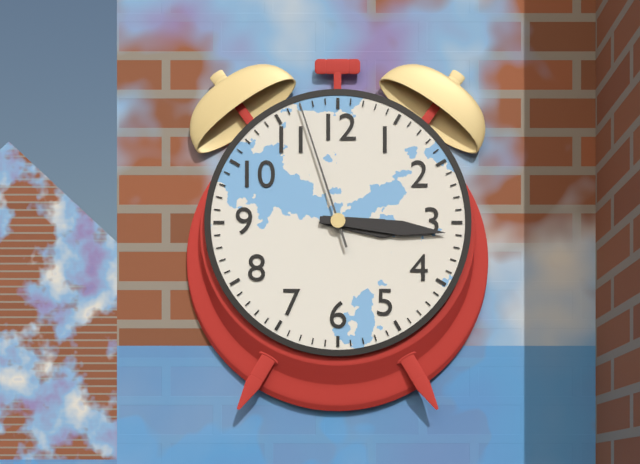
3:16:57
